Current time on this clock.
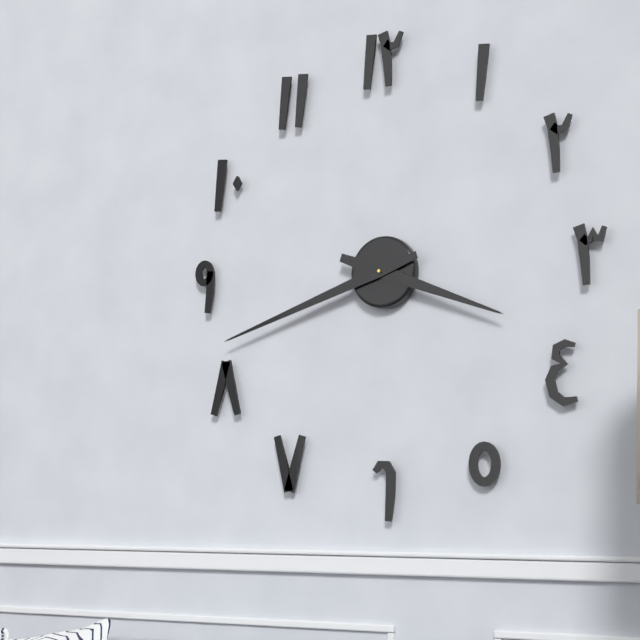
3:42
